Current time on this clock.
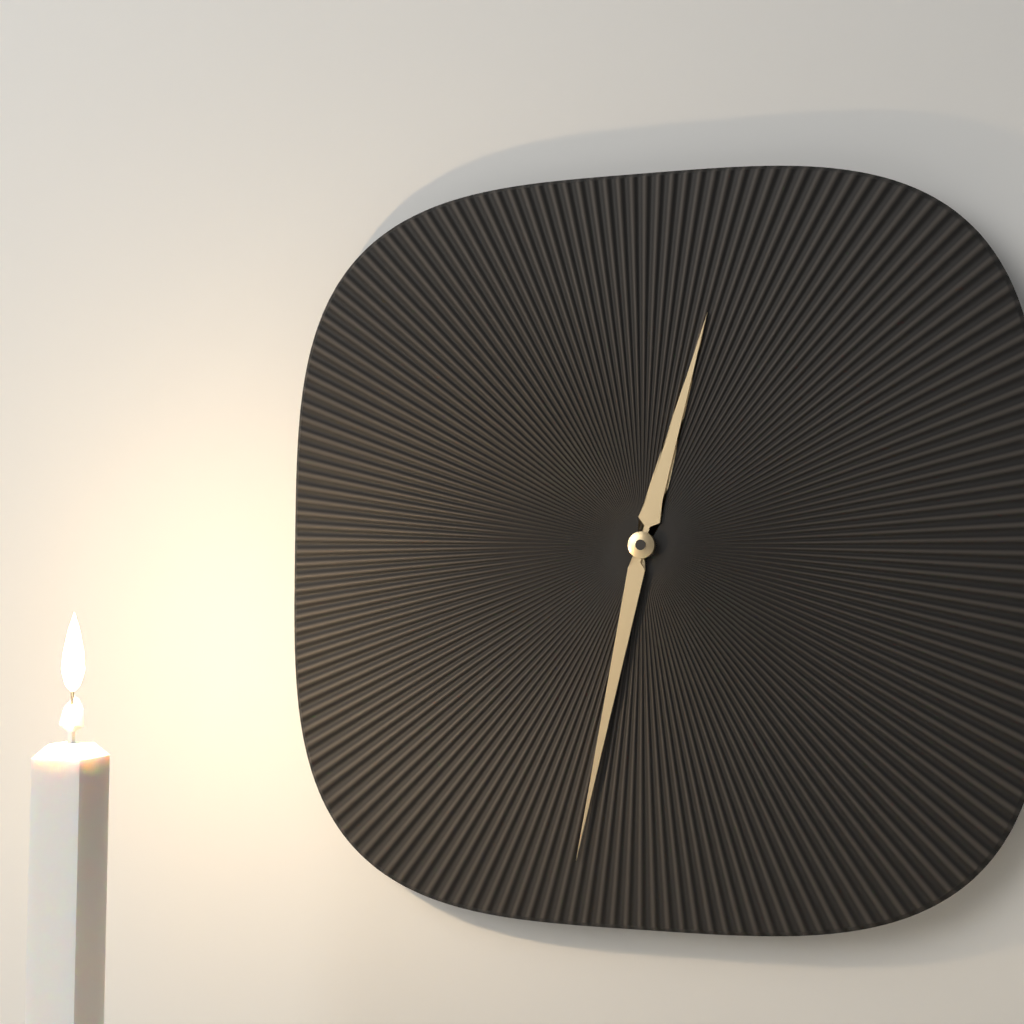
12:32
